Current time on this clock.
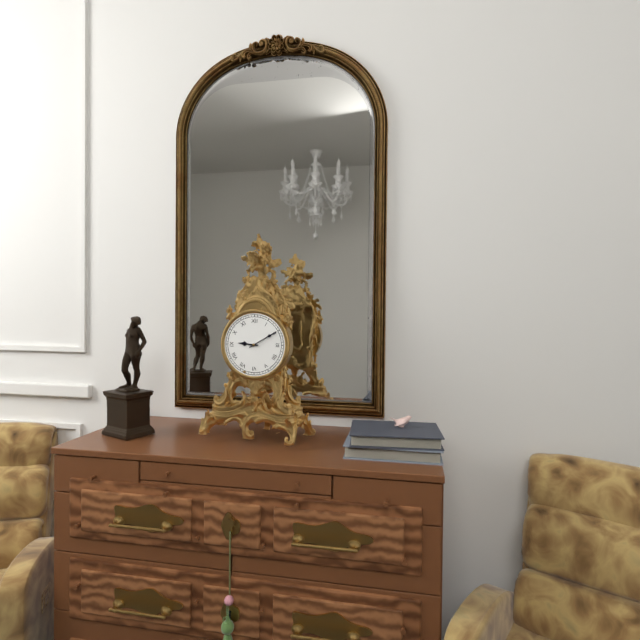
9:10
